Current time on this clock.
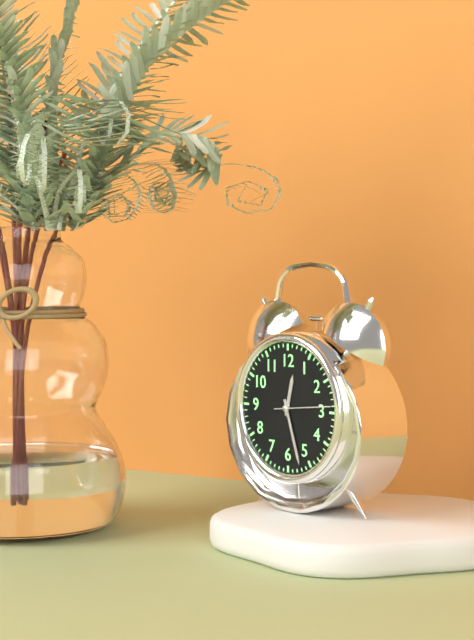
12:27:14
